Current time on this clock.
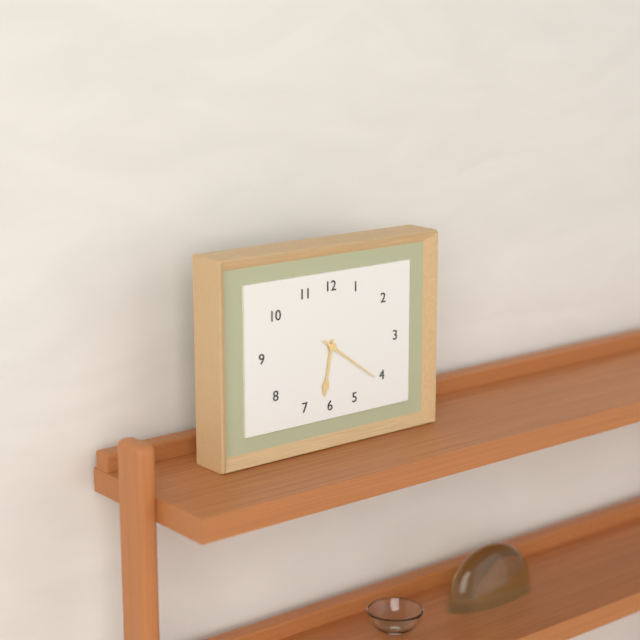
6:21
